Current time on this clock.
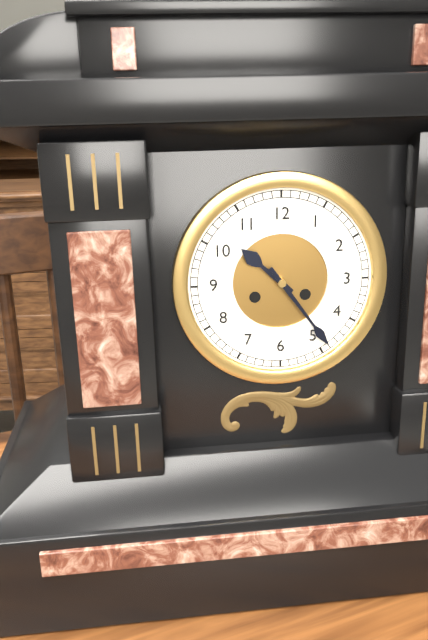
10:24
